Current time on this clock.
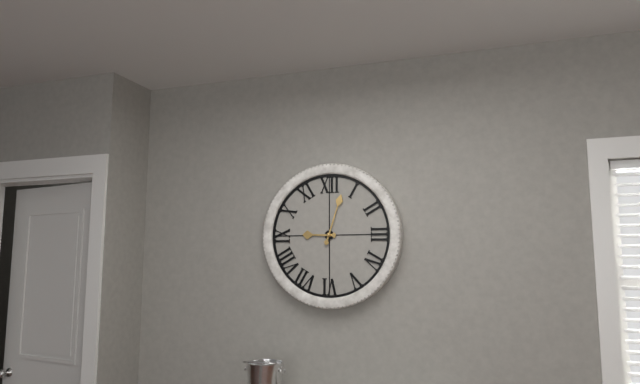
9:03
